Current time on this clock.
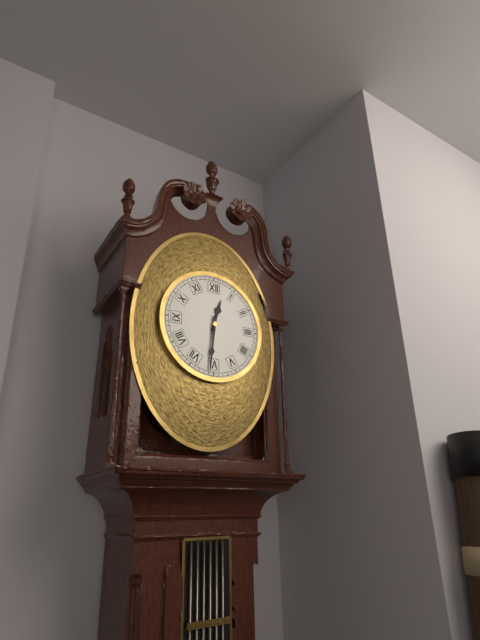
12:31
